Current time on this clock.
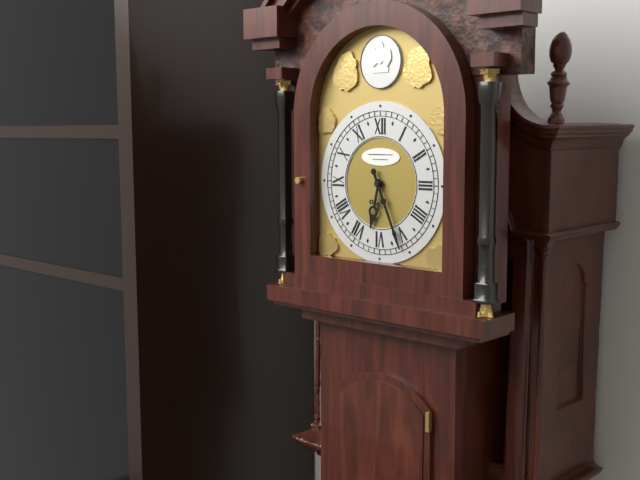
6:26
